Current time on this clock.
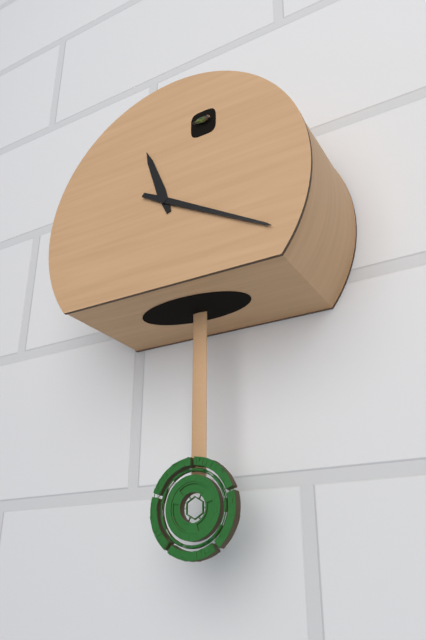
11:20
